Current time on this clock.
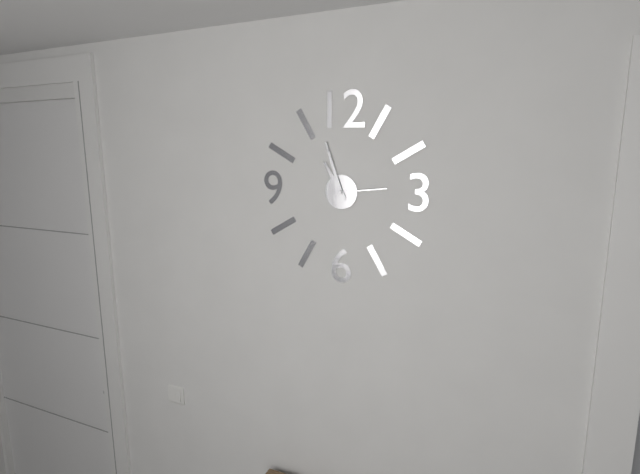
10:57:14
